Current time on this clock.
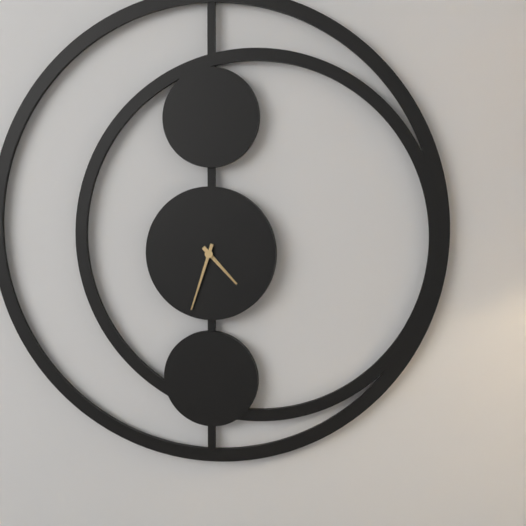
4:33
